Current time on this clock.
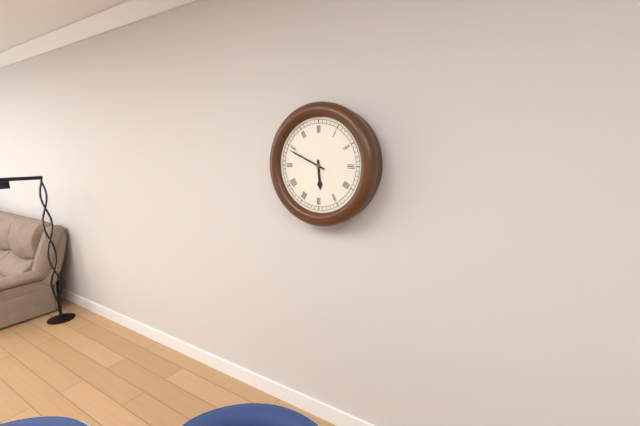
5:49
